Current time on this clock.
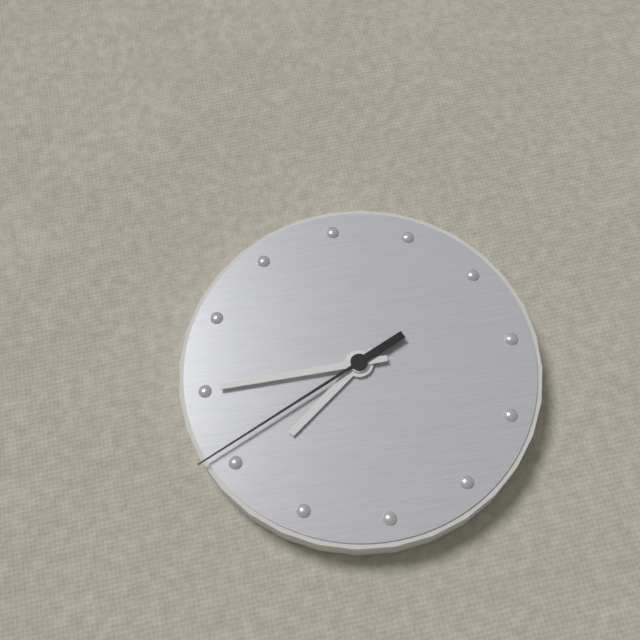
7:45:41
